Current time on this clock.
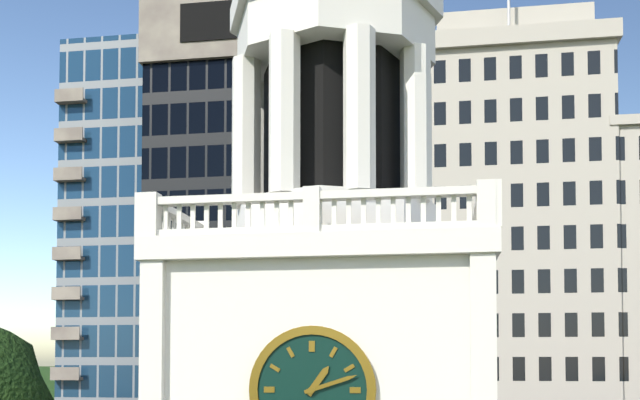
1:12
